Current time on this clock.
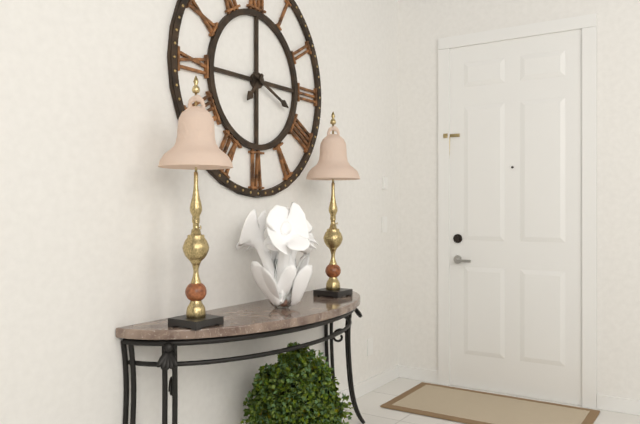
7:19
